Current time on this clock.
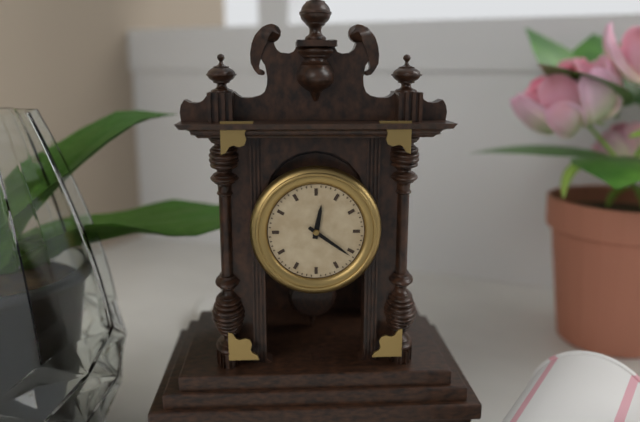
12:21
